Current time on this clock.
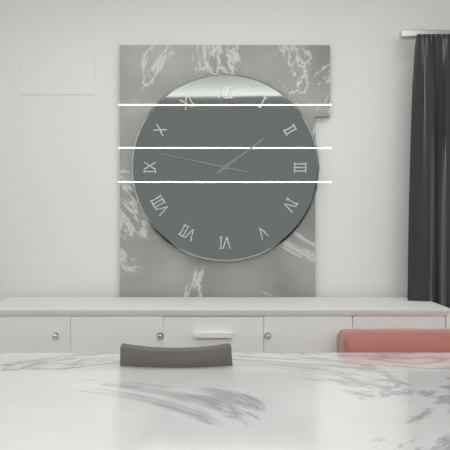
1:47
